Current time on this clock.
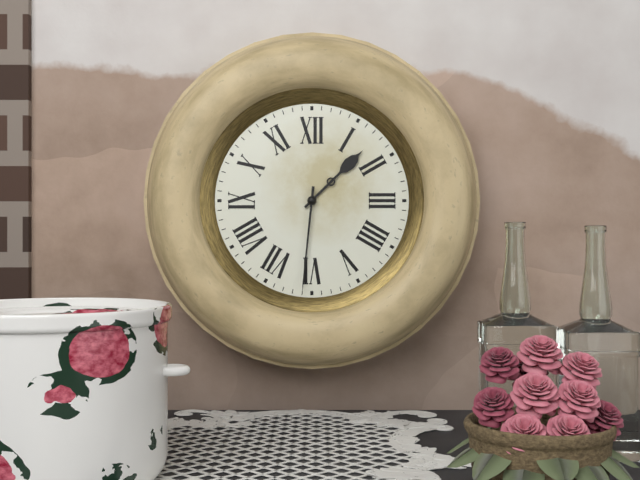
1:31
